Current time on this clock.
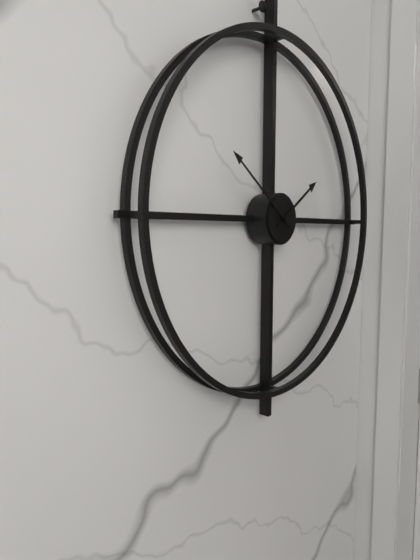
1:51
